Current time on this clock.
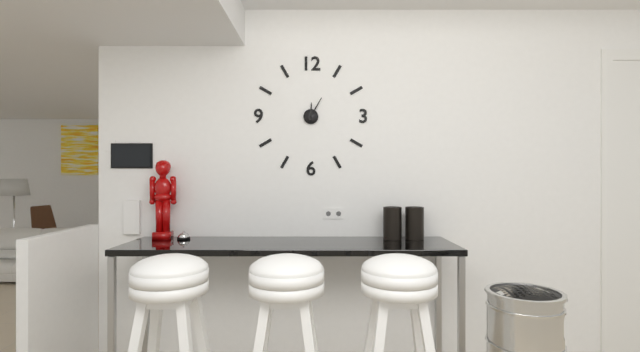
12:05
